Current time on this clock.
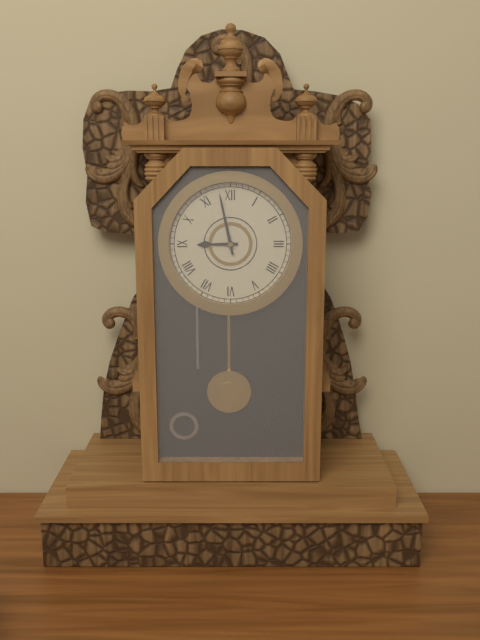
8:58
